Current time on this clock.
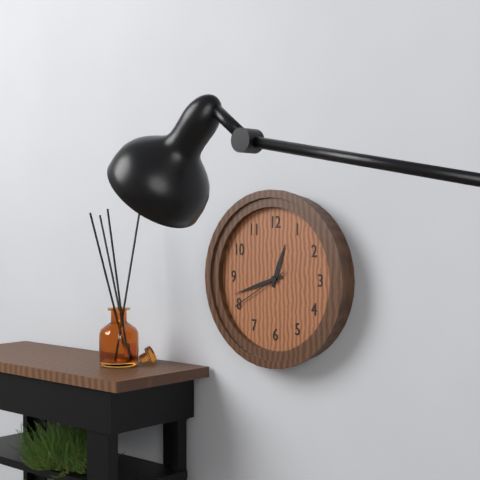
12:42:40
